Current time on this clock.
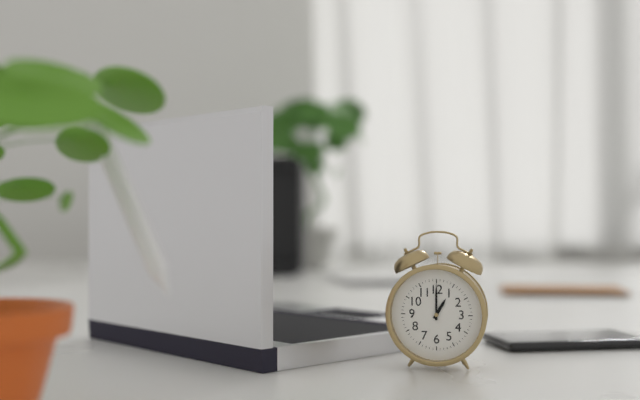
1:00
